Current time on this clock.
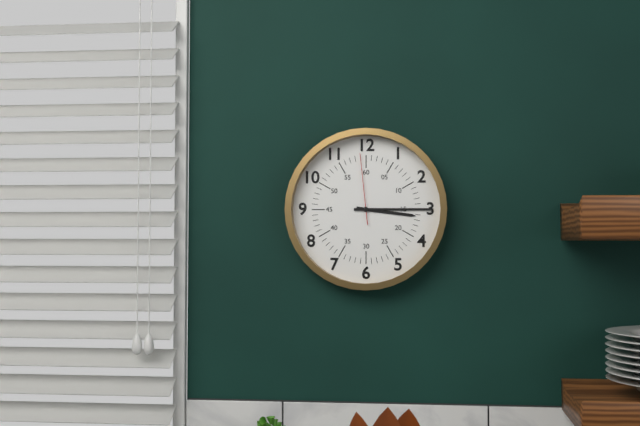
3:15:59
